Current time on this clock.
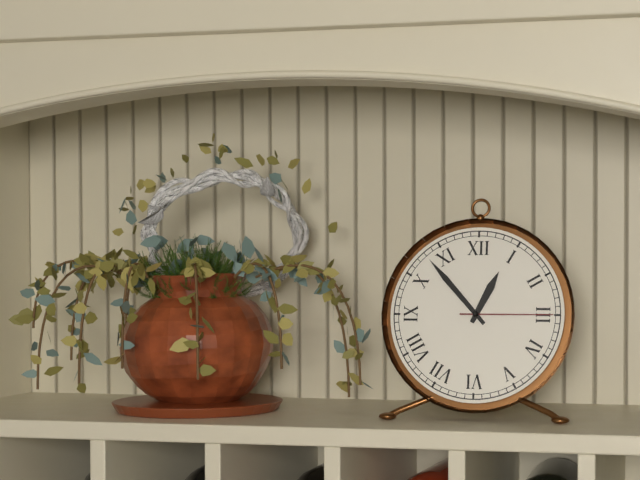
12:53:15
